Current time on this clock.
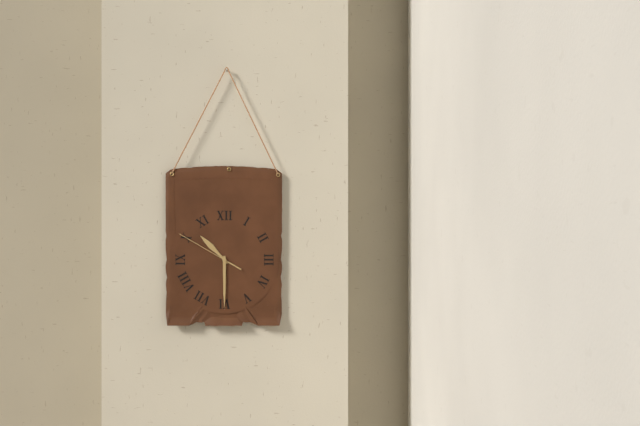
10:30:50
